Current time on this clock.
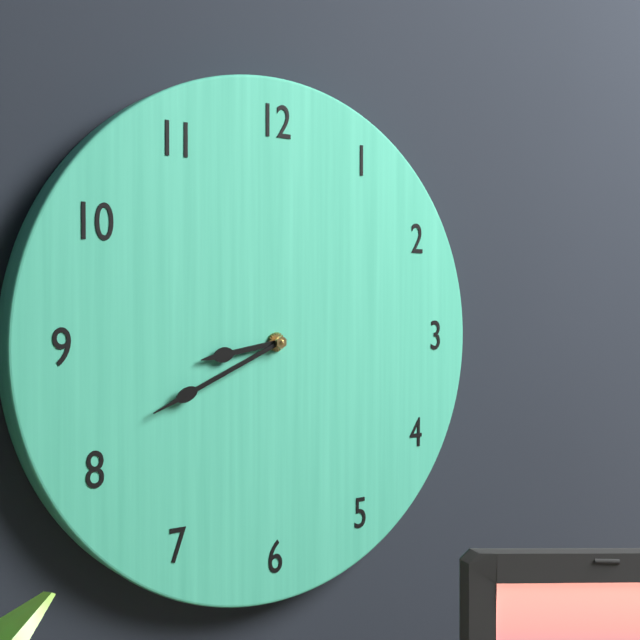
8:41
